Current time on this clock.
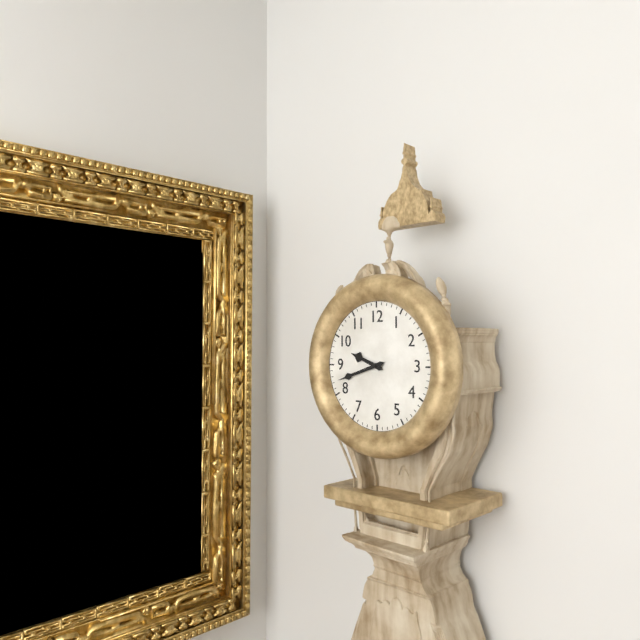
9:42
